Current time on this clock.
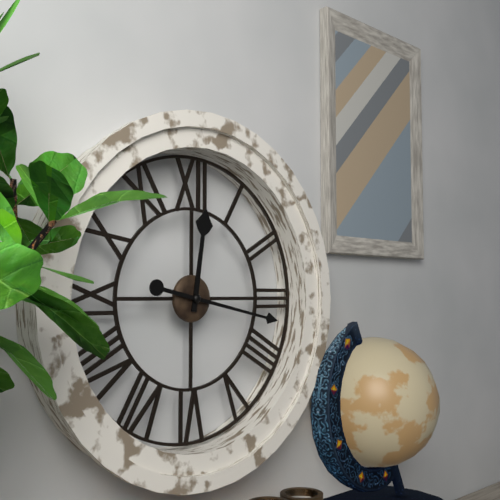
12:17
